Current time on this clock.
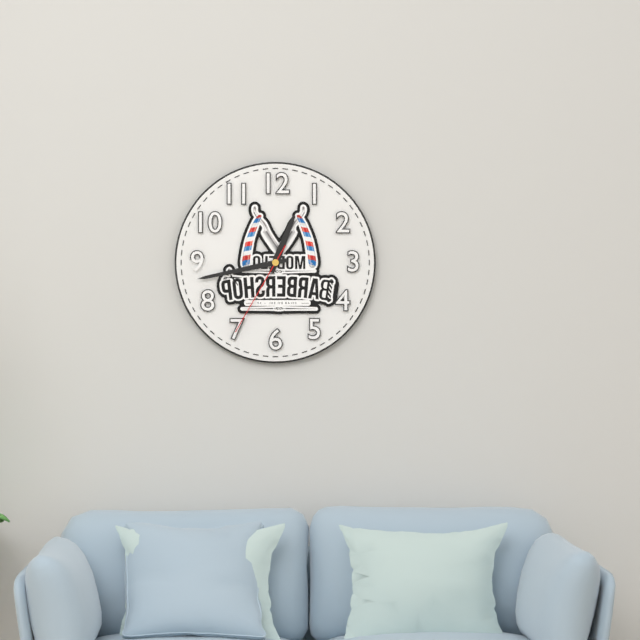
12:43:35
